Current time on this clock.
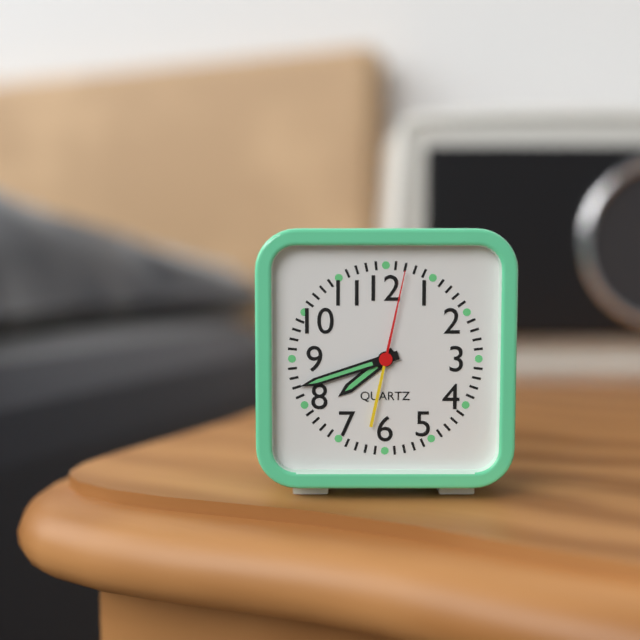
7:42:02
